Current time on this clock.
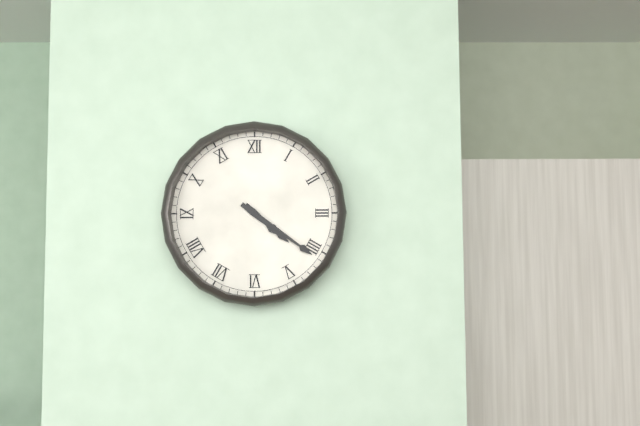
4:21
